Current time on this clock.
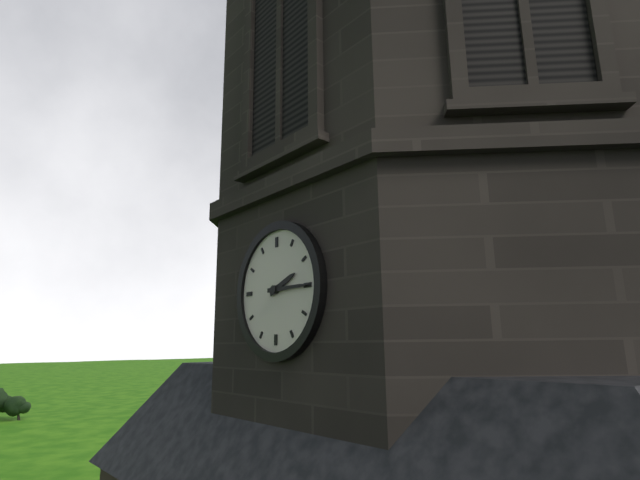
2:15
